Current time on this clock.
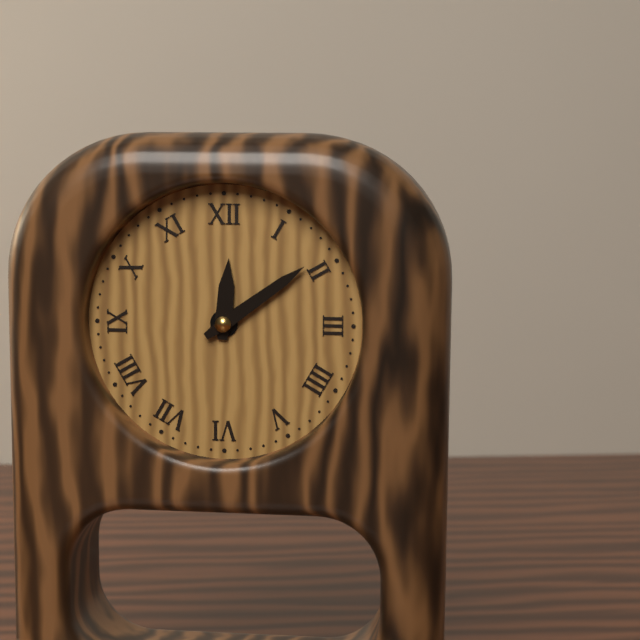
12:09
